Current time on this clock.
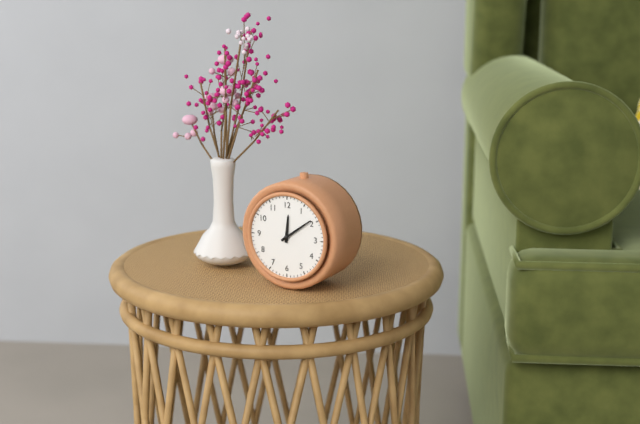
12:09
